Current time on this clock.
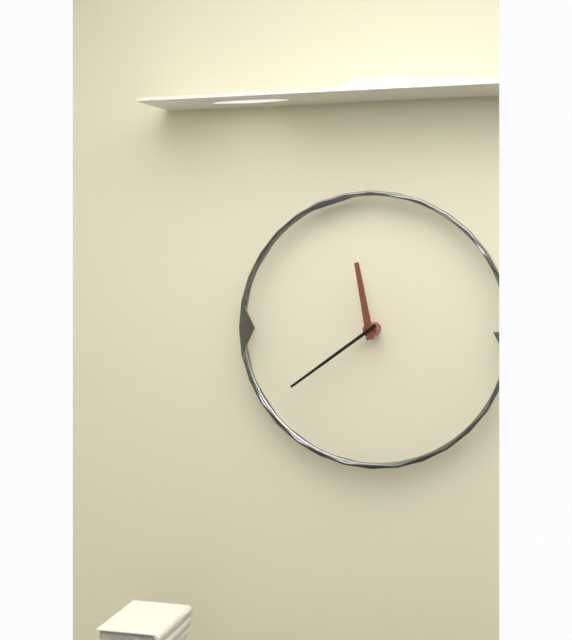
11:39
